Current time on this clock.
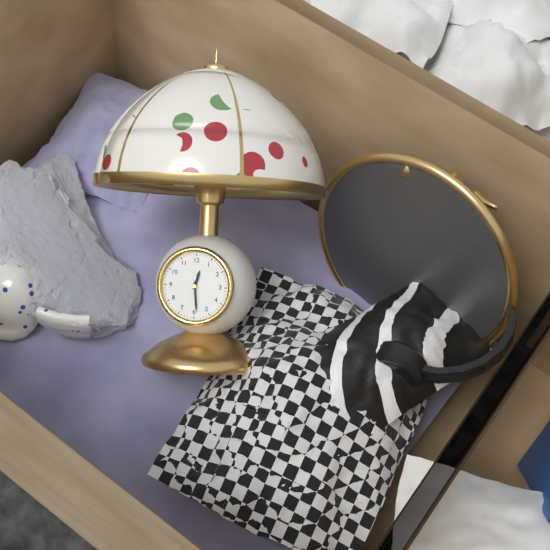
12:29
